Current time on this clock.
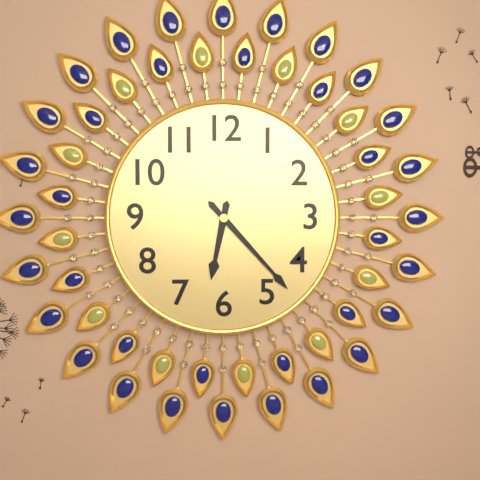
6:23
